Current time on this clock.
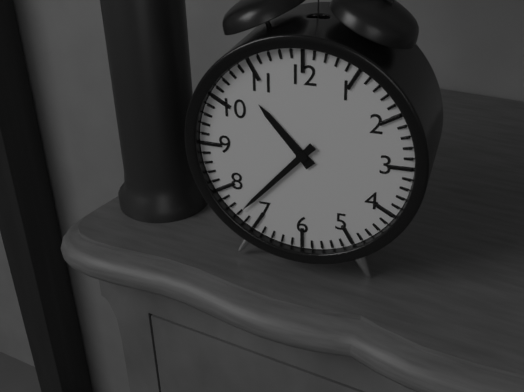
10:37
